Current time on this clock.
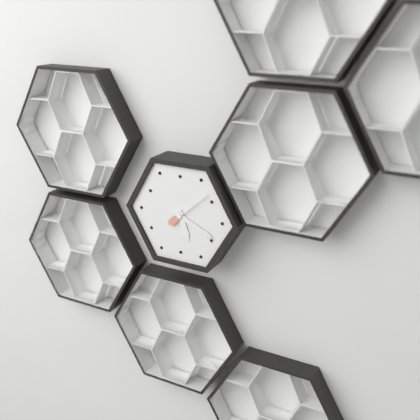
5:19
